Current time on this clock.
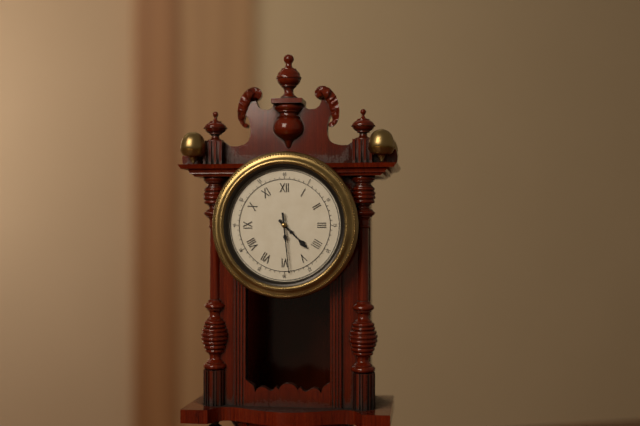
4:29
